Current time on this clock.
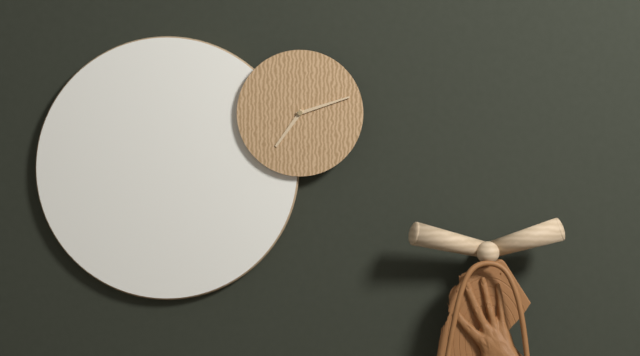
7:12
